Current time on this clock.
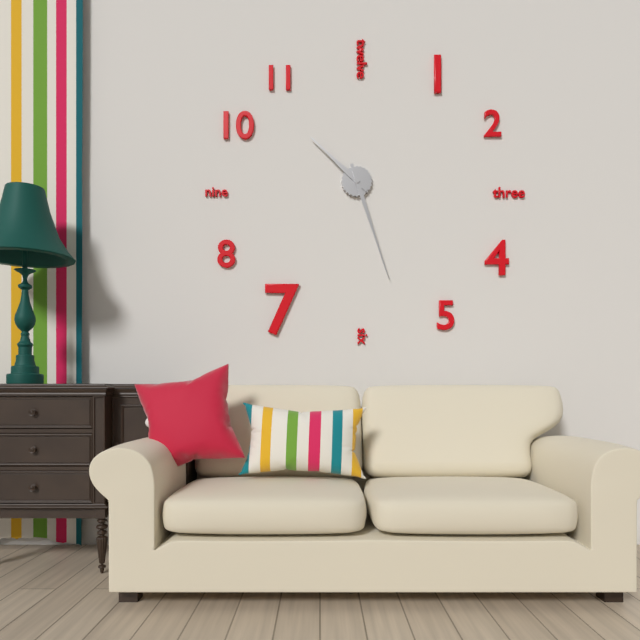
10:27
